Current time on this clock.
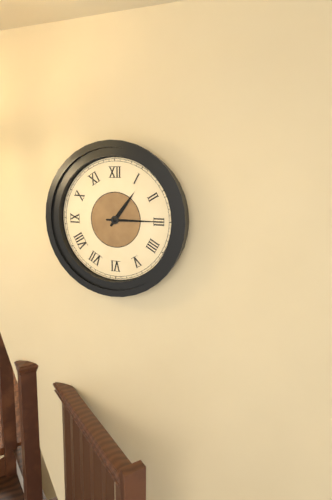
1:15
